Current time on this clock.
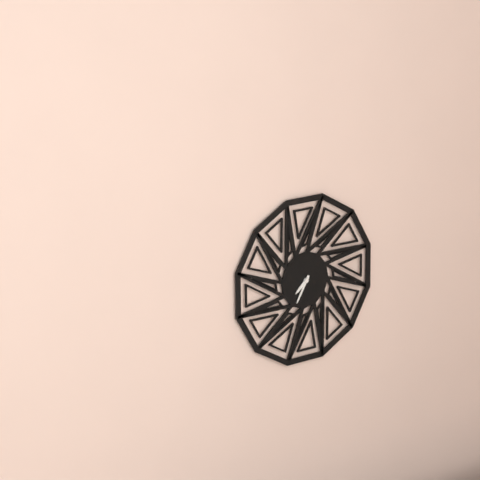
7:35
